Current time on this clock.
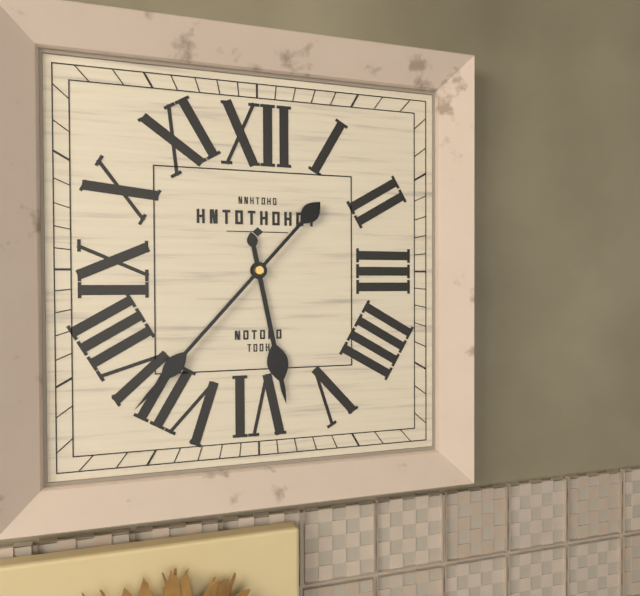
5:37
